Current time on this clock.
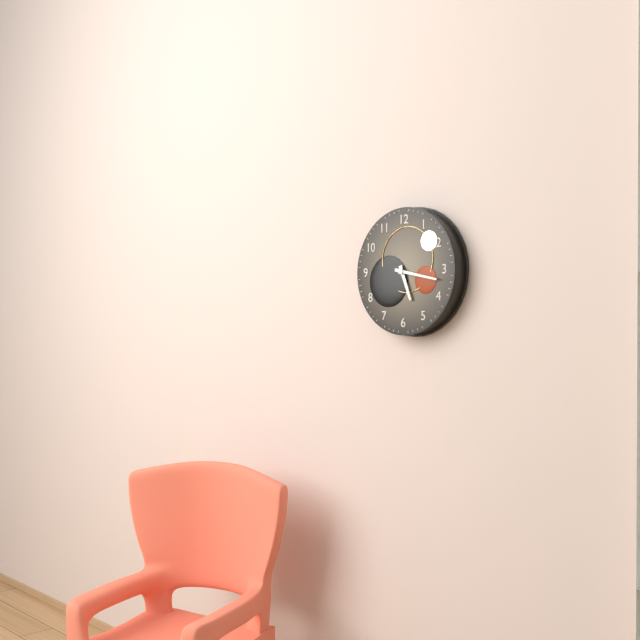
5:17
